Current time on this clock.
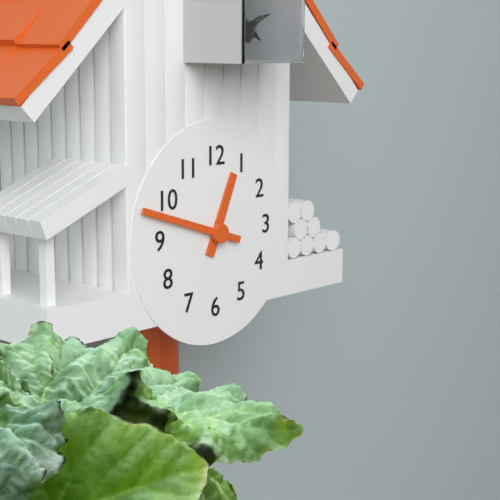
12:48
